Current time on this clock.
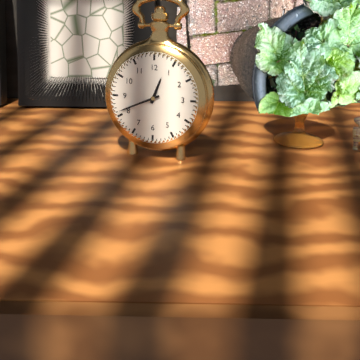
12:41
